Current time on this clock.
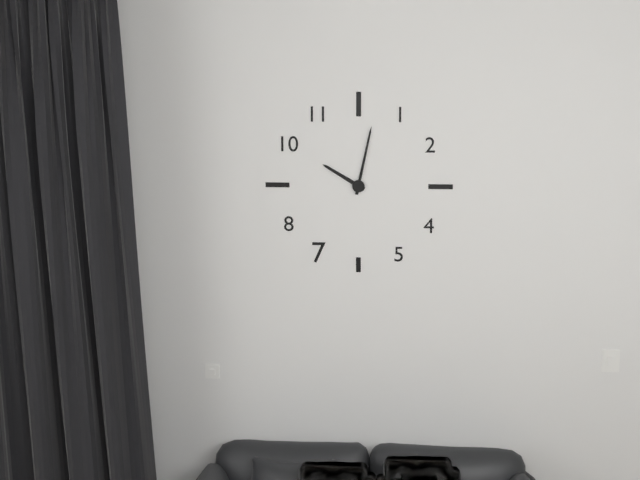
10:02
